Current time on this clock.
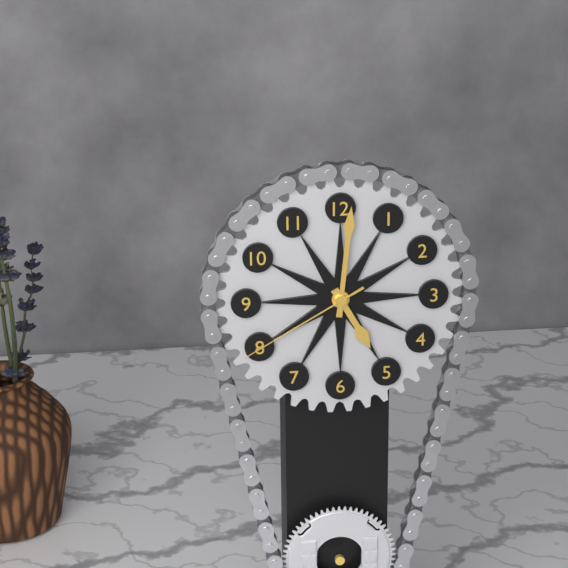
5:01:40
